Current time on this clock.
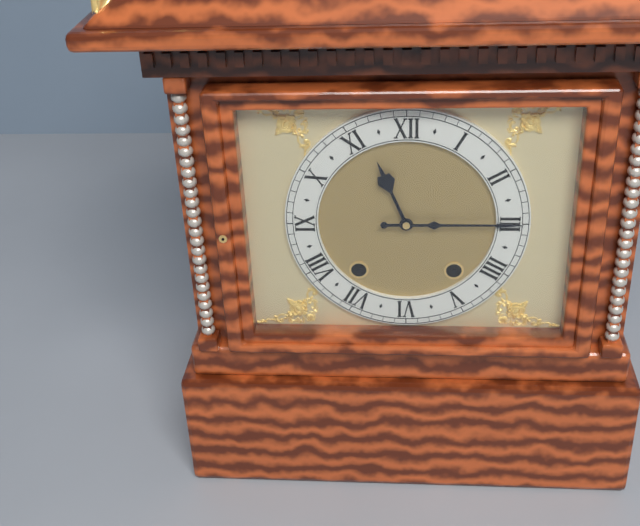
11:15
